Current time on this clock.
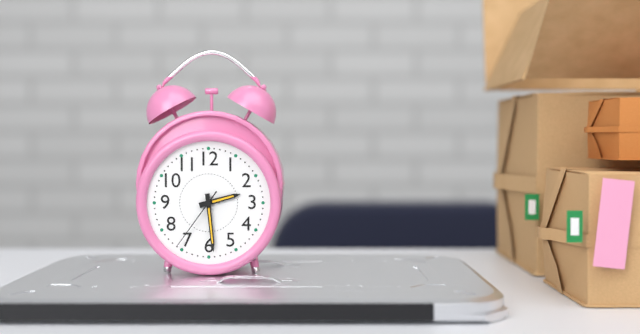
2:29:36
